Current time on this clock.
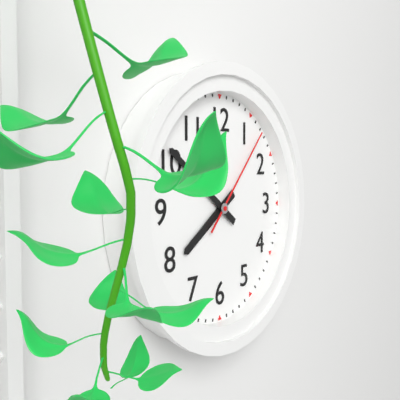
7:51:07
